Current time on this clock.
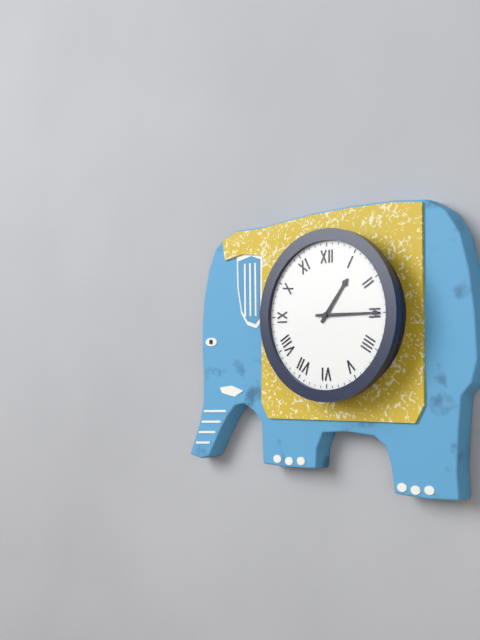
1:15
